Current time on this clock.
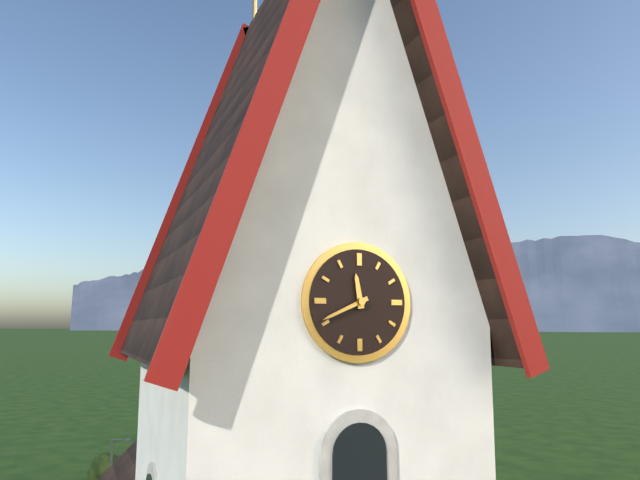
11:41
